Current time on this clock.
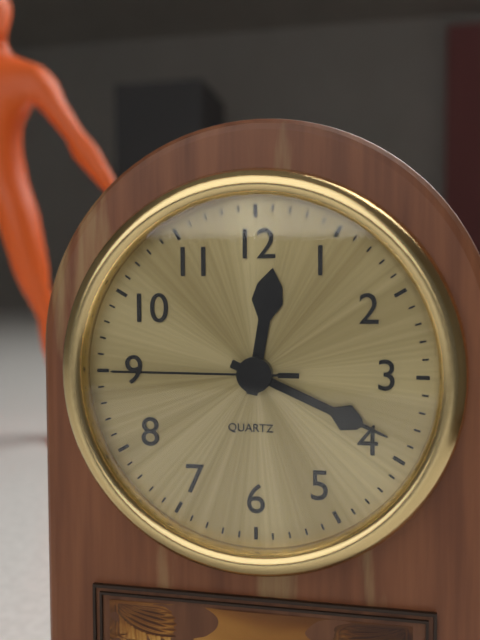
12:19:45
